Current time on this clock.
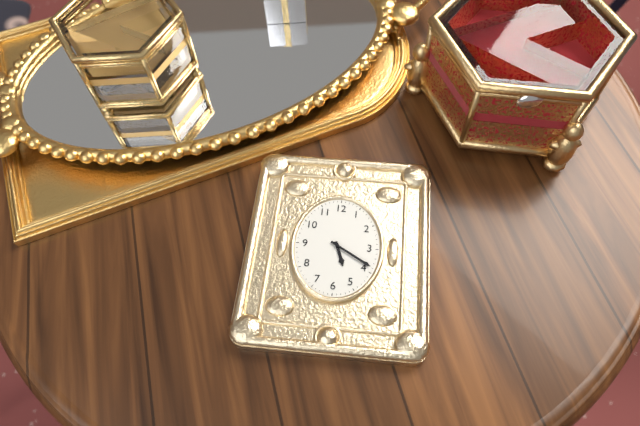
5:20
